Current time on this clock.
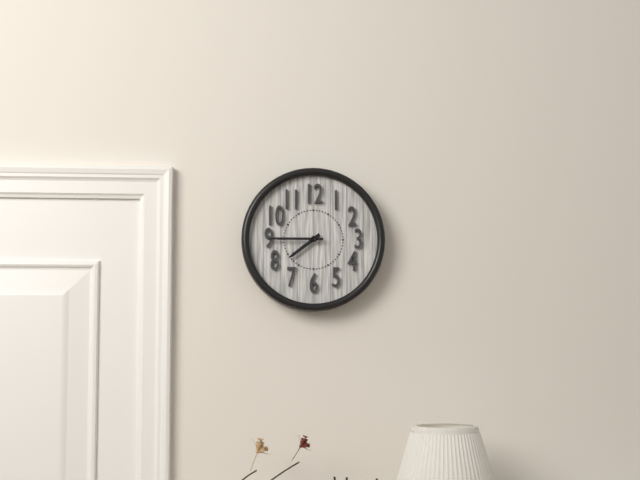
7:45
